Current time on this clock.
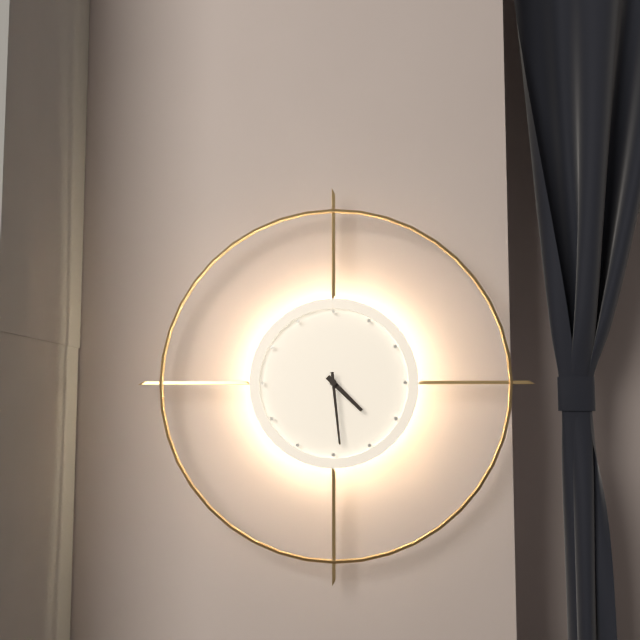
4:29
